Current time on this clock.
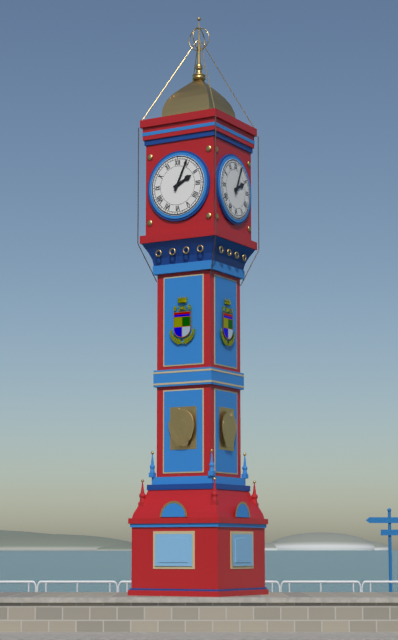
2:04
